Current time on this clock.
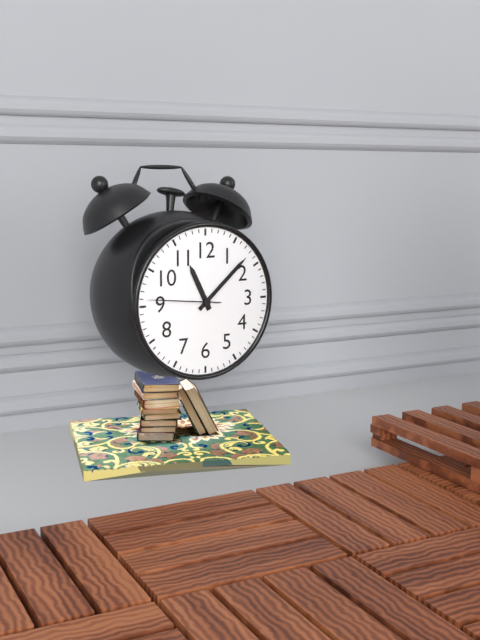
11:08:46
